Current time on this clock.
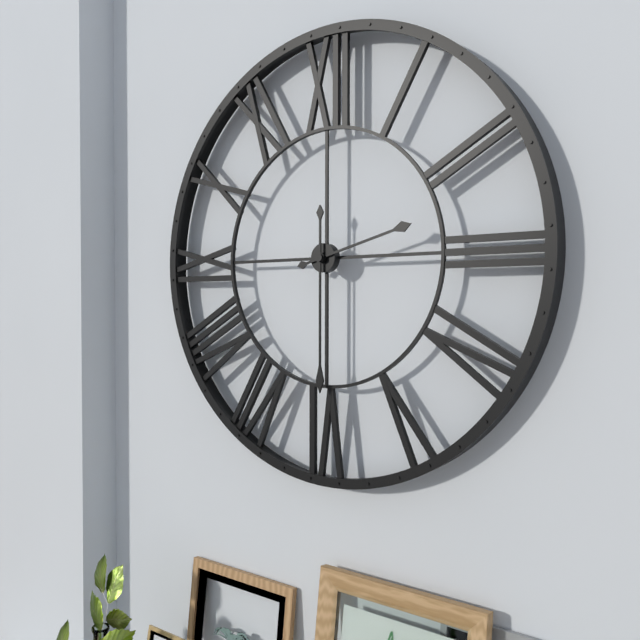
2:30
